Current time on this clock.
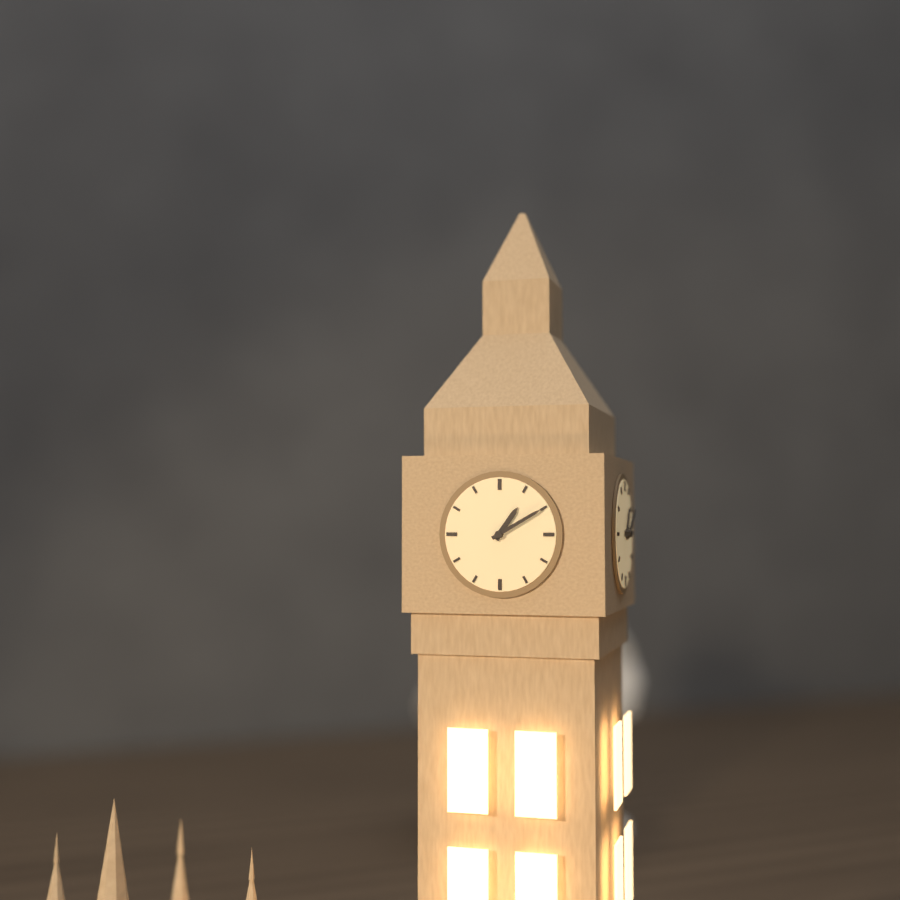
1:10
